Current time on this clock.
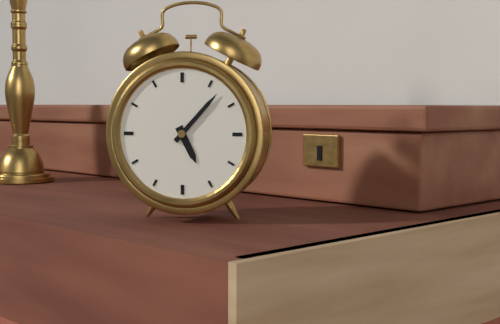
5:07
